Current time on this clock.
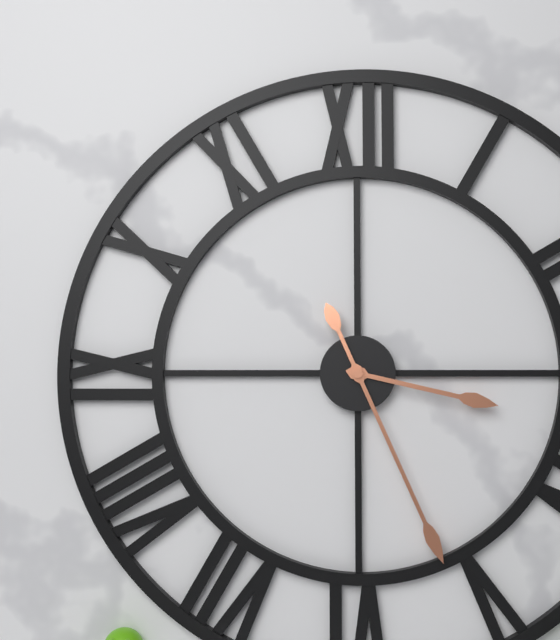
3:26
